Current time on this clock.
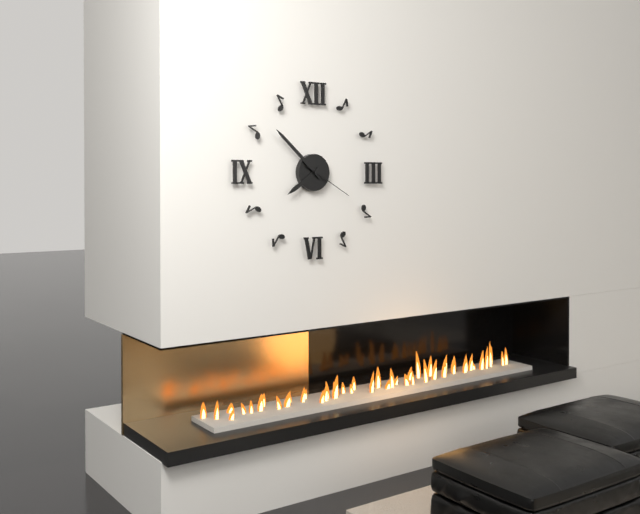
7:52:20
